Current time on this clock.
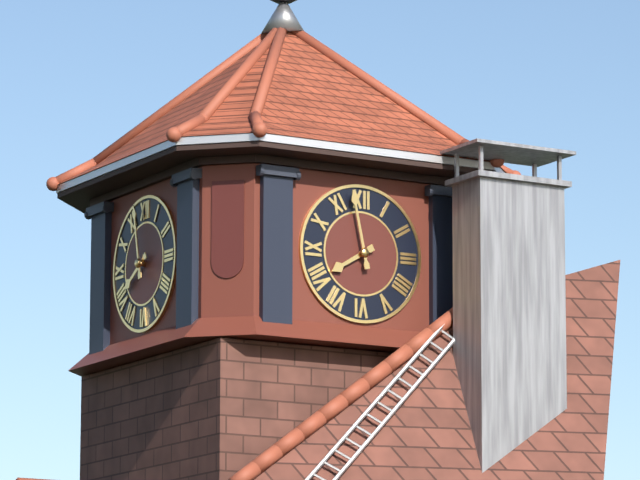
7:58
